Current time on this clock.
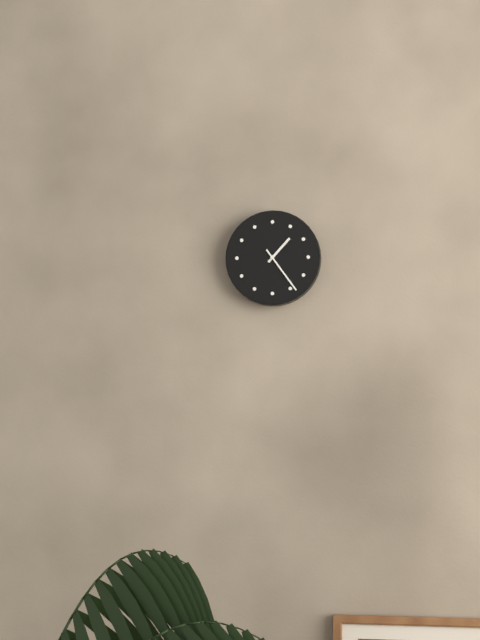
1:24
